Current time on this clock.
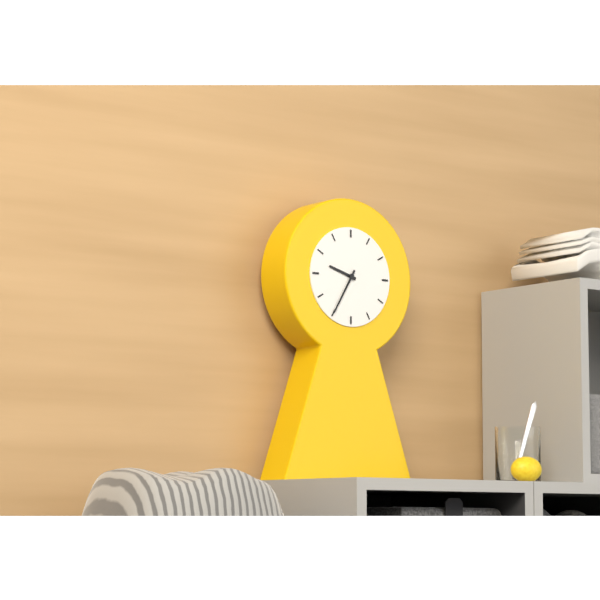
9:35
